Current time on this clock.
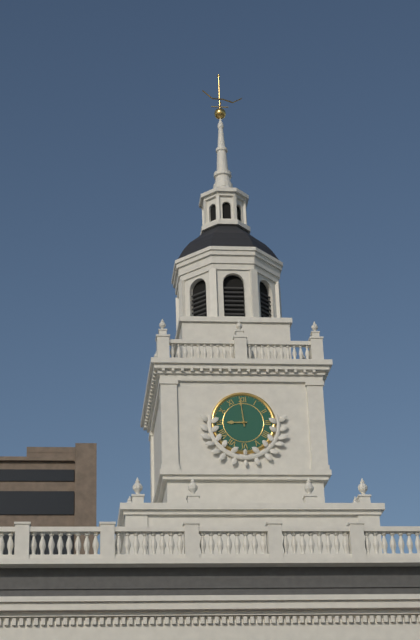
8:59
